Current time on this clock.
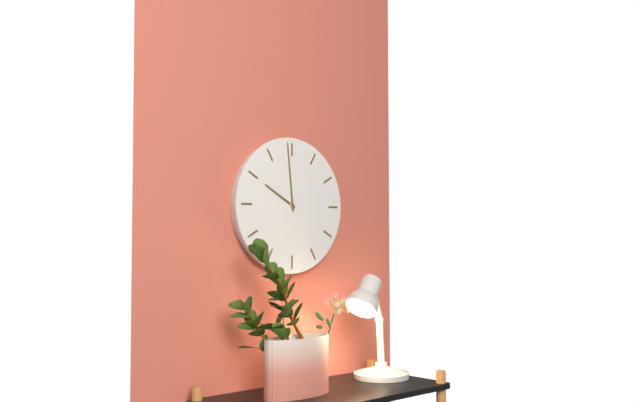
9:59
